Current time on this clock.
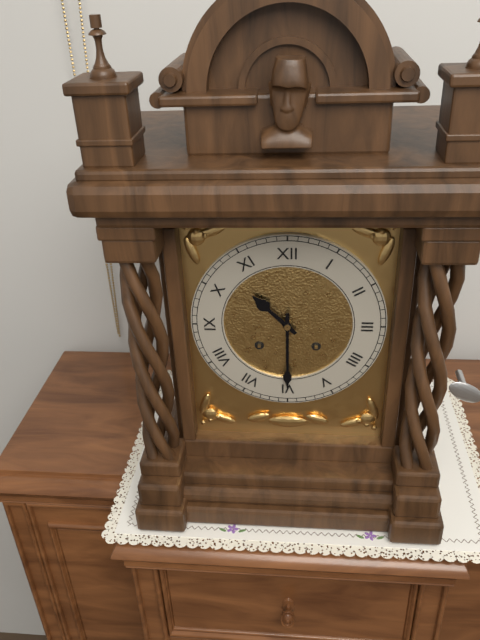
10:30
